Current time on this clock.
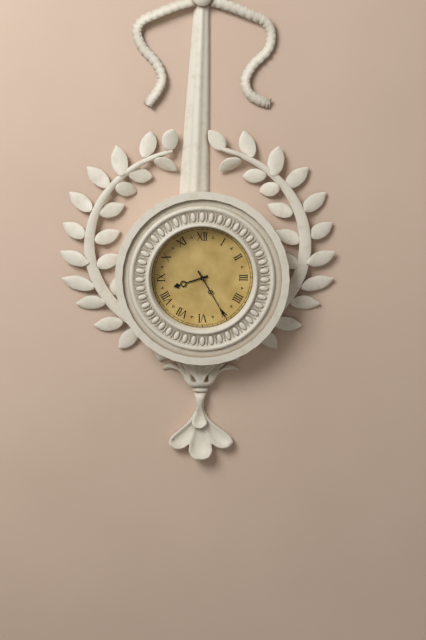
8:25
